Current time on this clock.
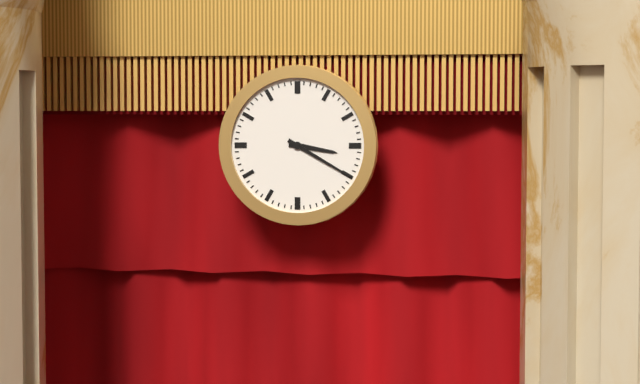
3:20
